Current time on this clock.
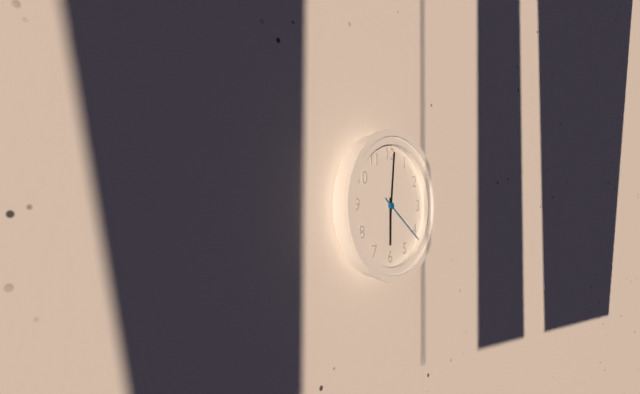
6:01:21
